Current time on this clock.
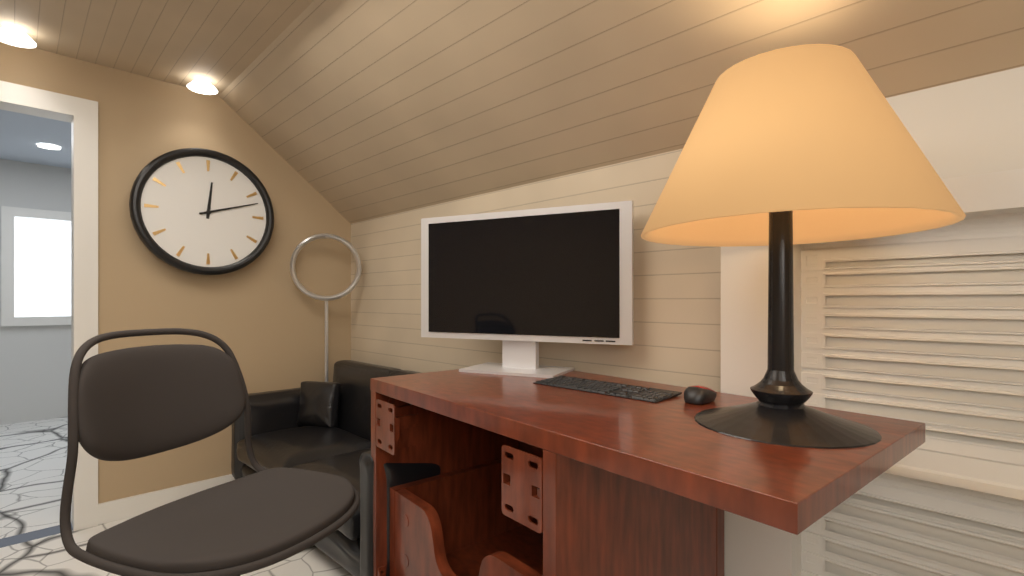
12:12
